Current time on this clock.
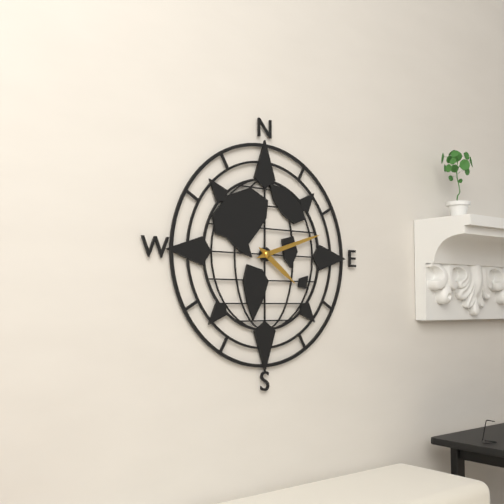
4:12
